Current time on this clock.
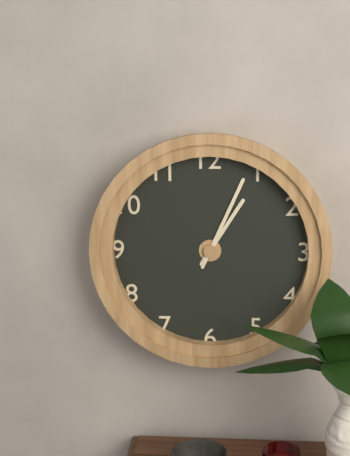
1:04
